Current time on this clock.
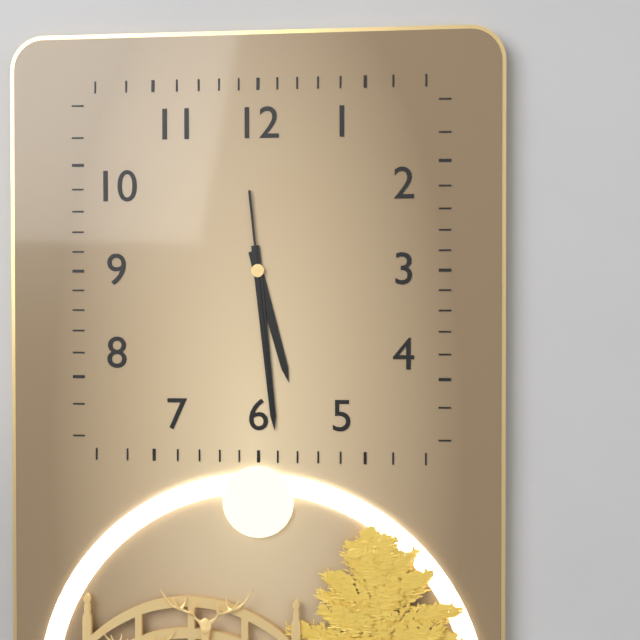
5:29:29
